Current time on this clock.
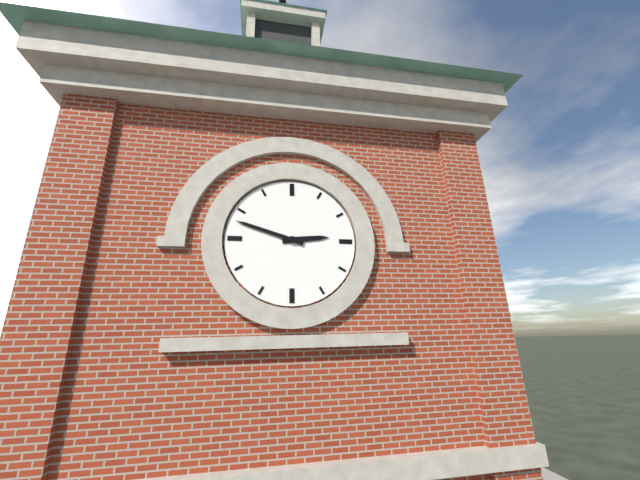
2:48
